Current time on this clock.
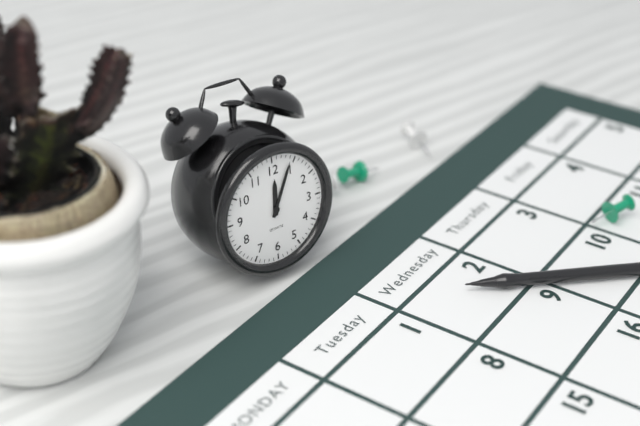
12:04
